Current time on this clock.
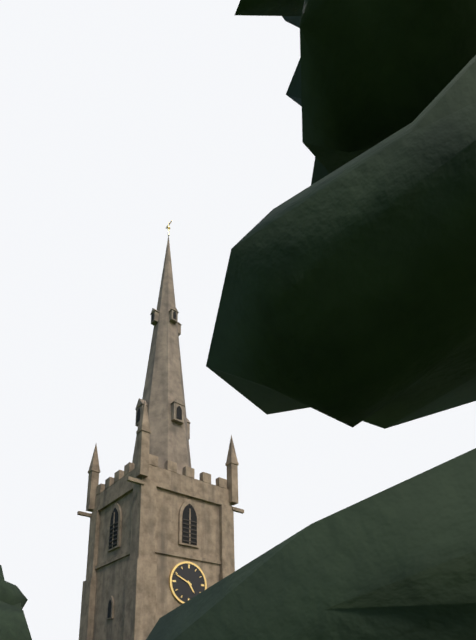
4:49
